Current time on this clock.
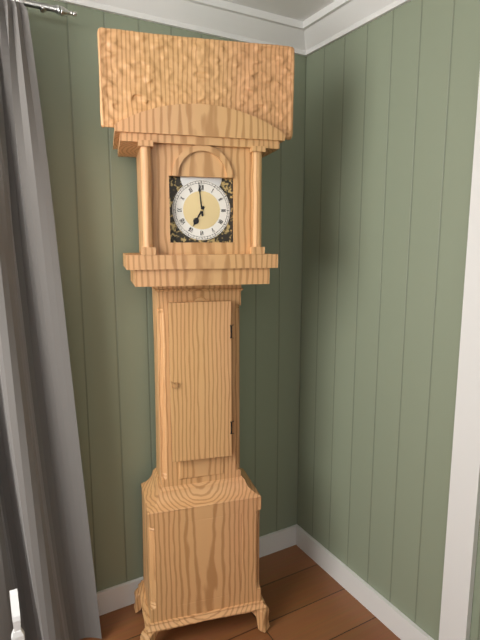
6:59
